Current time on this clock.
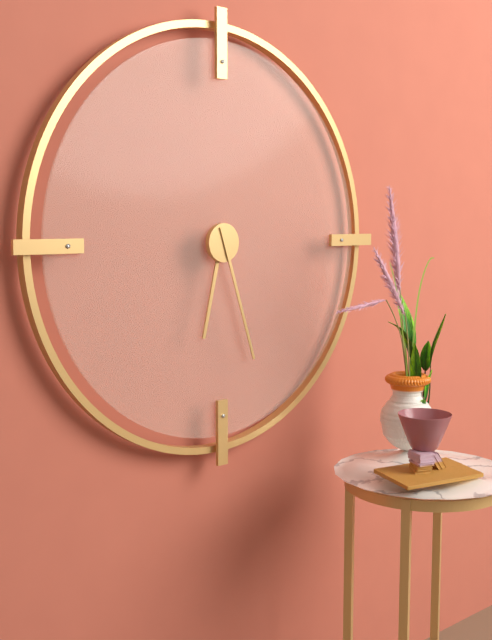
6:27
